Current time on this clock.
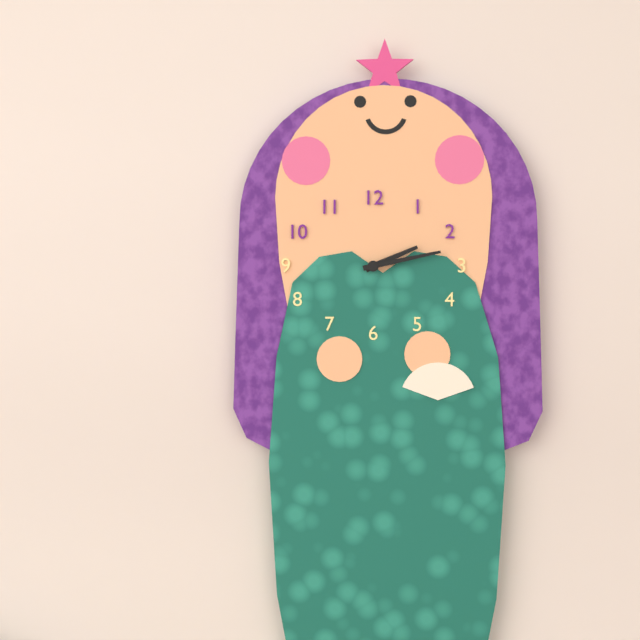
2:13
